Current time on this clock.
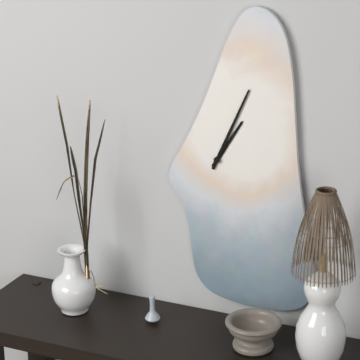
1:04
